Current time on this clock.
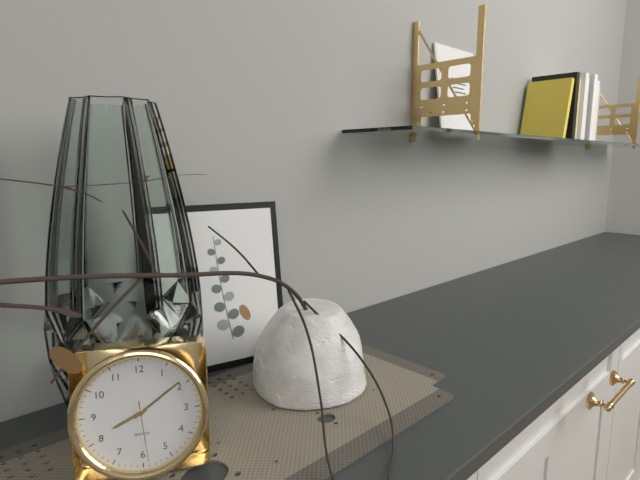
8:09:29
